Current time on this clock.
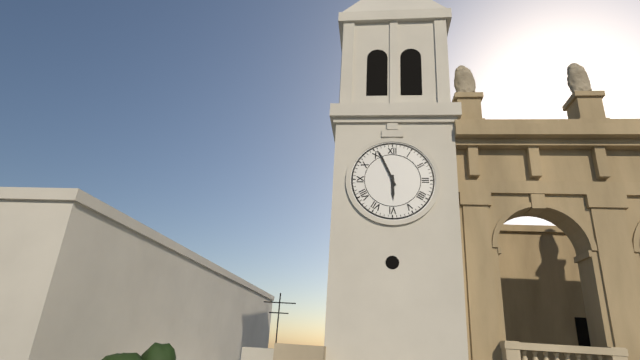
5:56
